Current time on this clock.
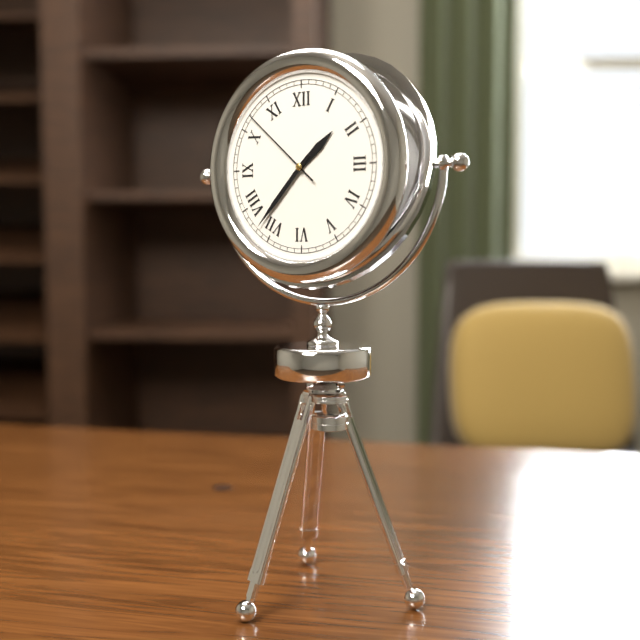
1:37:52
